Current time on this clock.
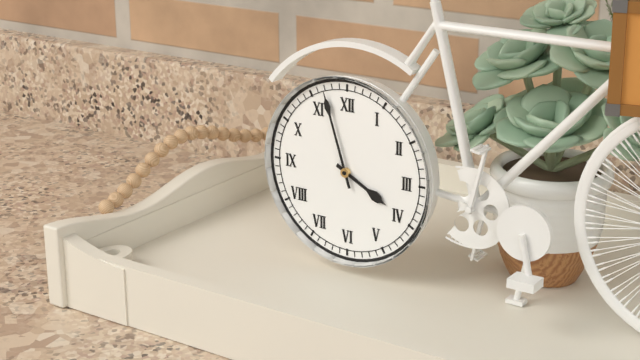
3:57
